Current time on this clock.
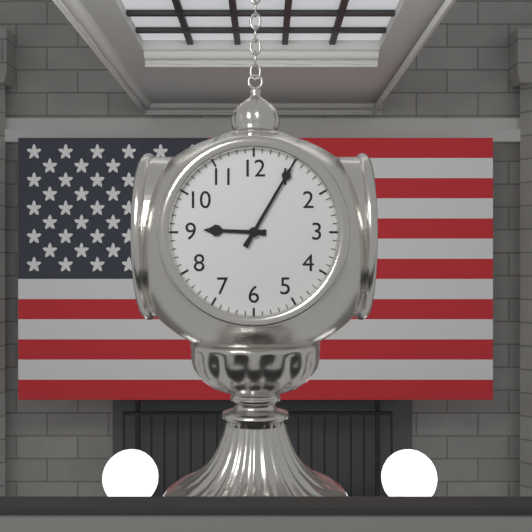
9:05
